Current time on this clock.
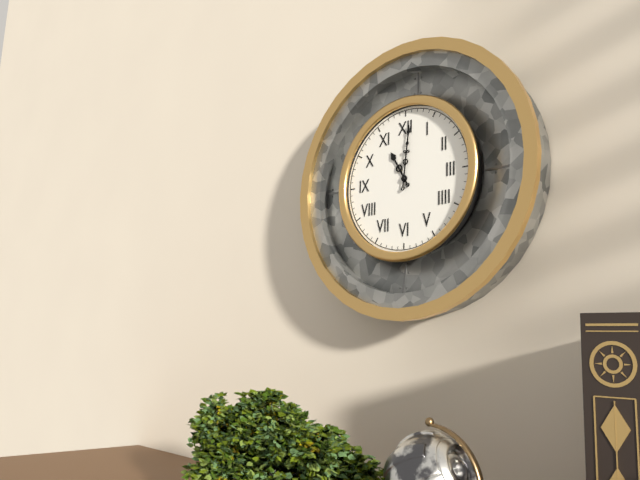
11:01
